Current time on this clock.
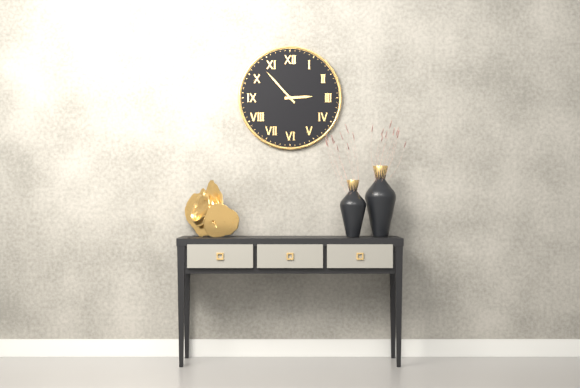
2:53
